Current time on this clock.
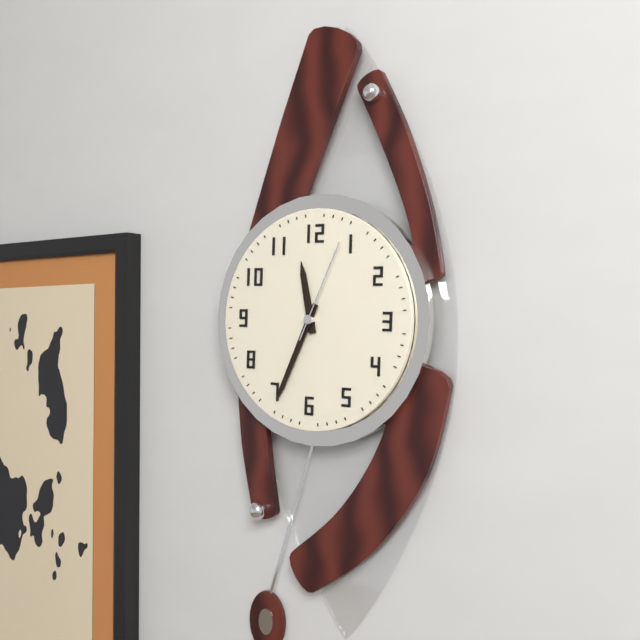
11:34:04
